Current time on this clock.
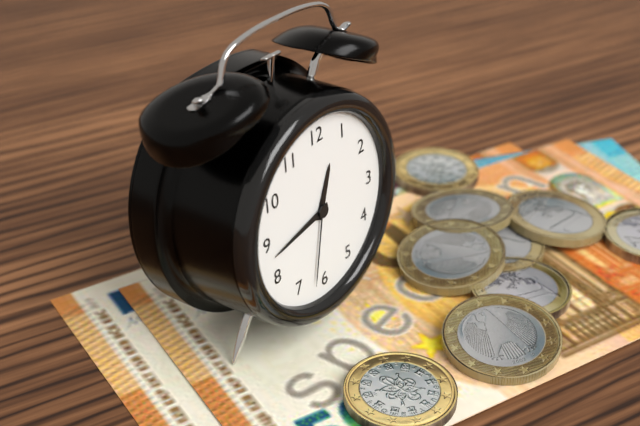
12:43:32
